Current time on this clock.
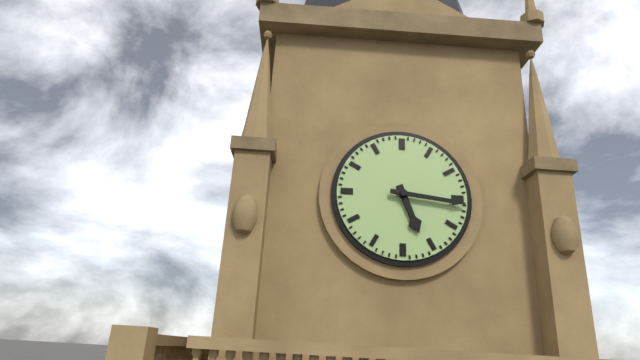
5:16
